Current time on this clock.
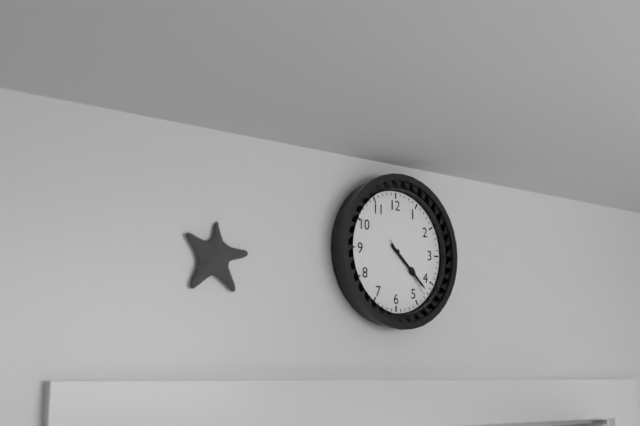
4:22:23
